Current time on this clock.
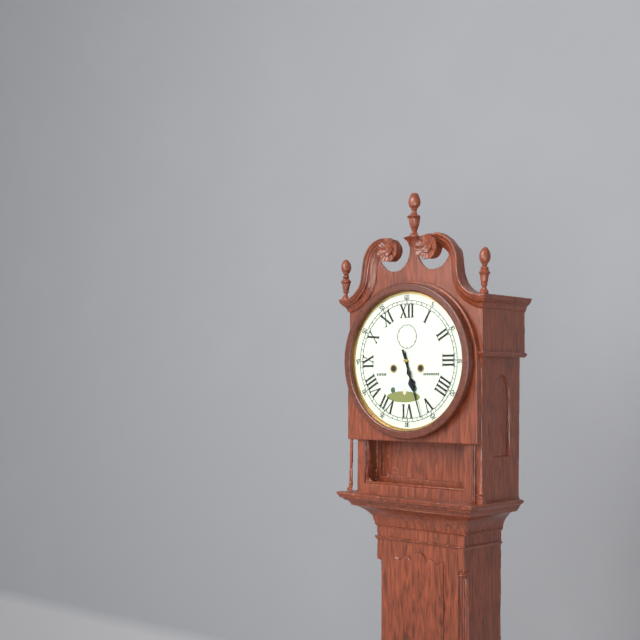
5:27
